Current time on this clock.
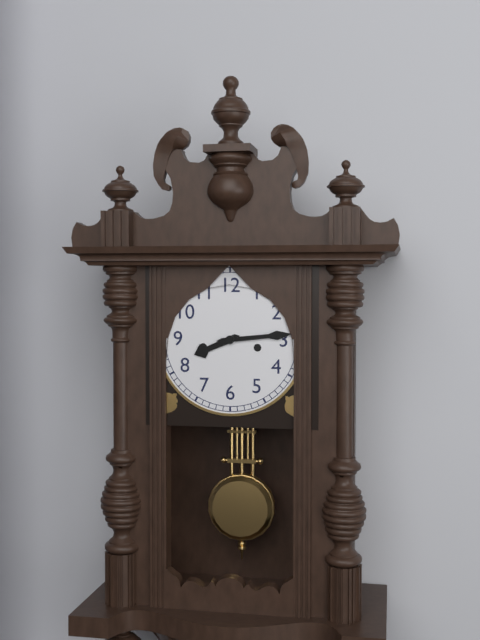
8:14
